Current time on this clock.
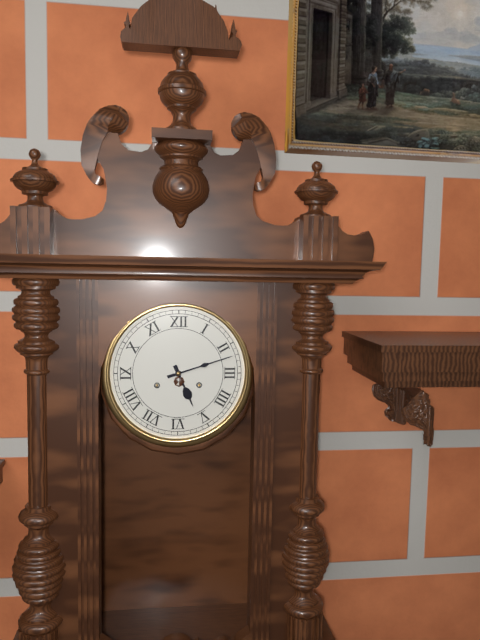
5:12
